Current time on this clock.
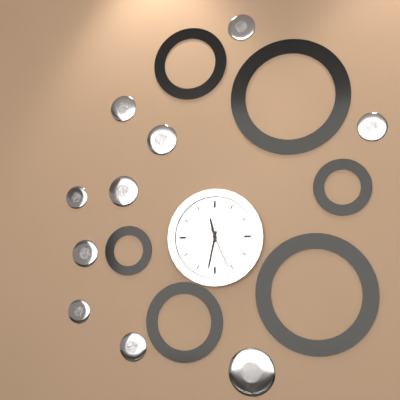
11:32
